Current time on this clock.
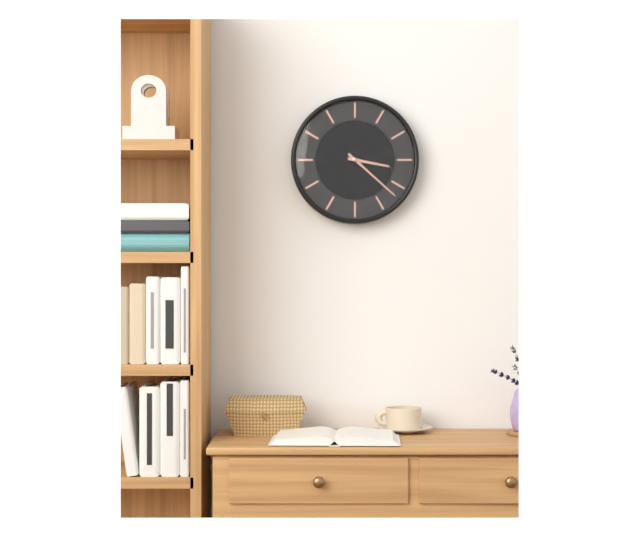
3:22
